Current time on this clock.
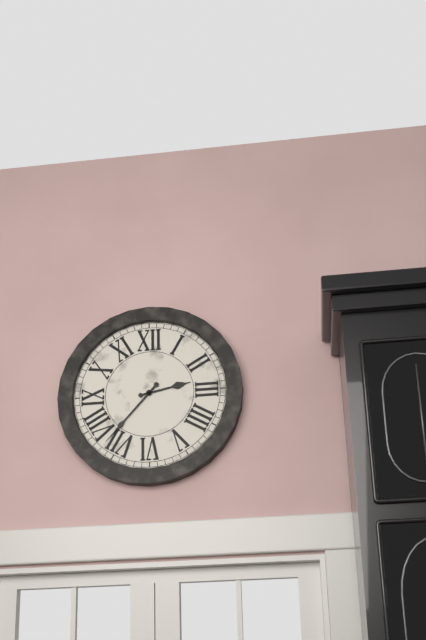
2:37
